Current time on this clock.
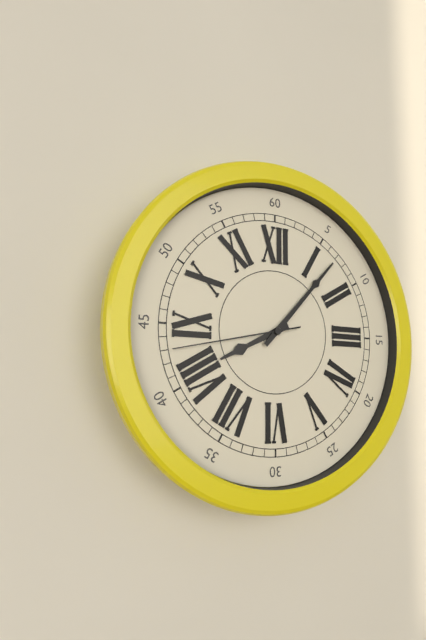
8:07:43
